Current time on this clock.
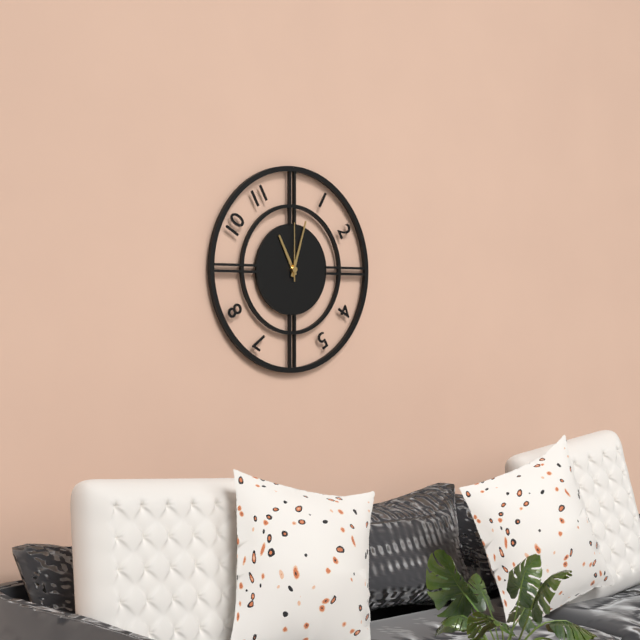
11:03:00
